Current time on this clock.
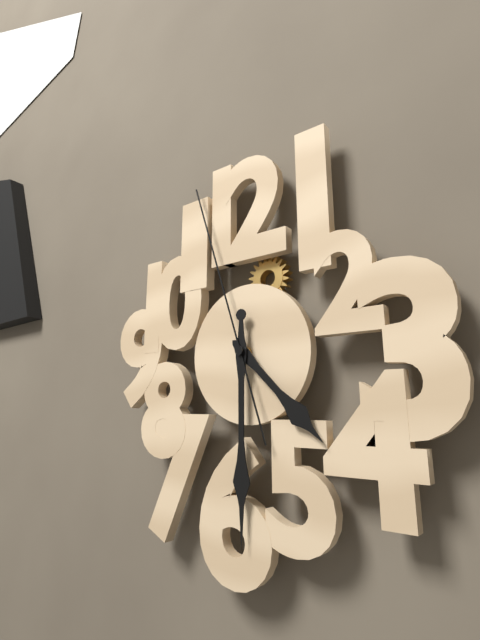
4:30:57
